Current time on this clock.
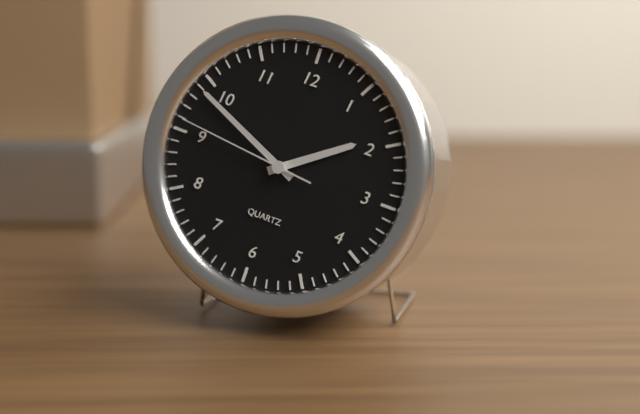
1:49:46
